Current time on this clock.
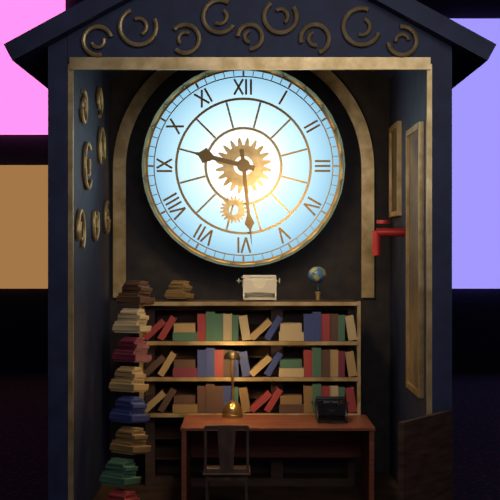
9:29
